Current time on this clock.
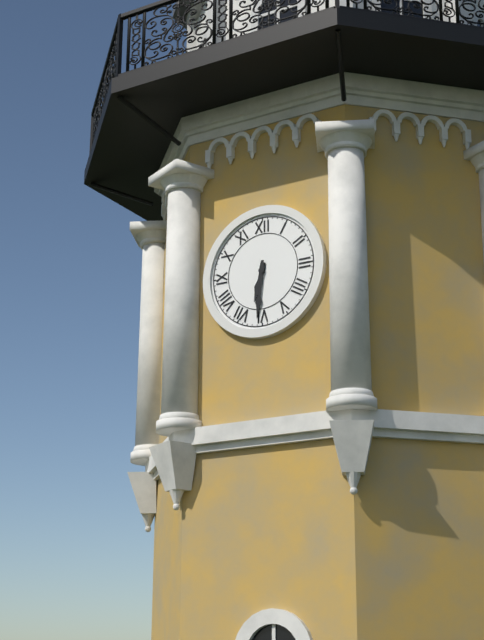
6:31
